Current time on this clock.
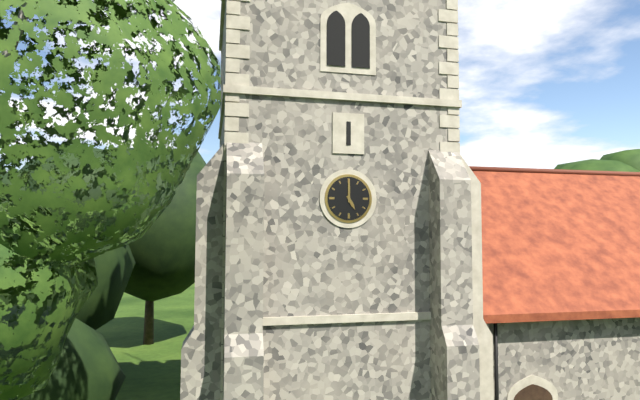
5:00
